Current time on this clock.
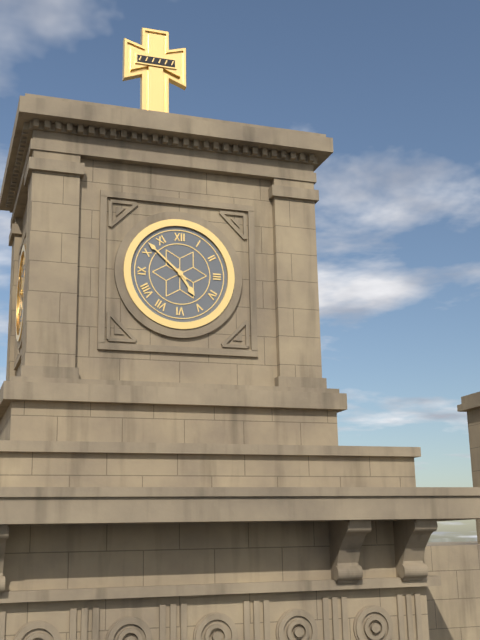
4:52
